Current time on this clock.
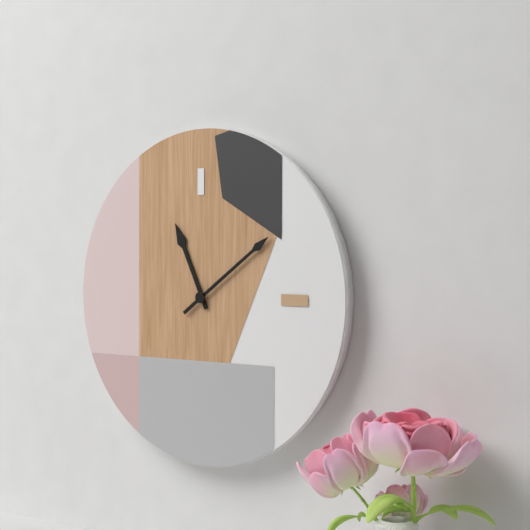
11:09
